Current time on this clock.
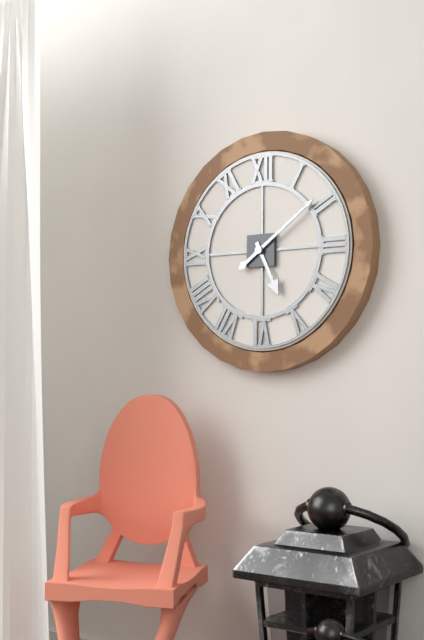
5:09
